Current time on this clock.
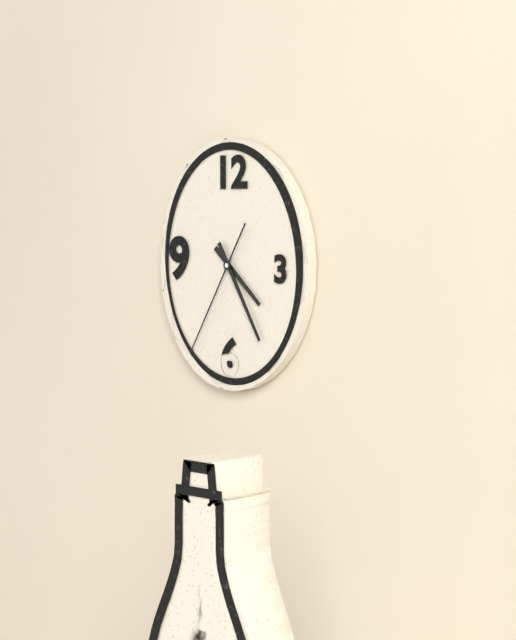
4:25:35
